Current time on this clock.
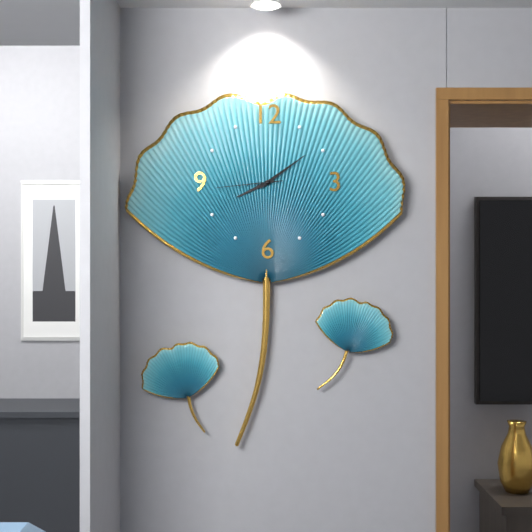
8:09:44
